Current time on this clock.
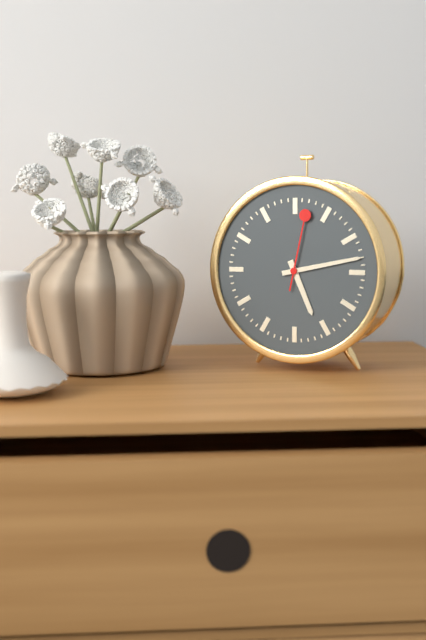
5:13:02
